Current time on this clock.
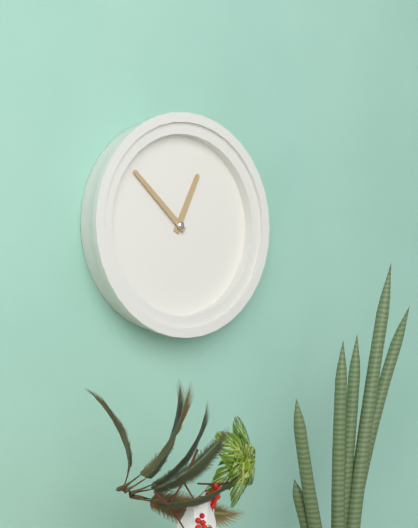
12:52
